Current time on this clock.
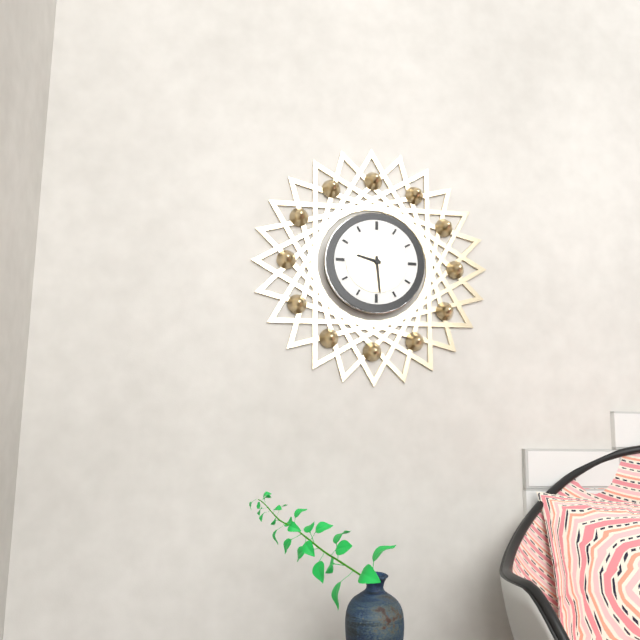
9:29
